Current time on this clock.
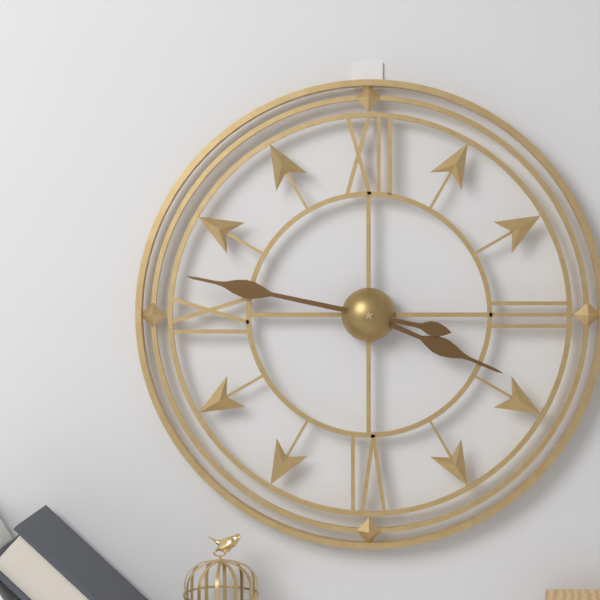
3:47
